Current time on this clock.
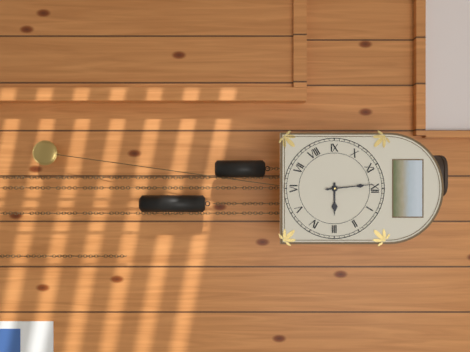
2:59
